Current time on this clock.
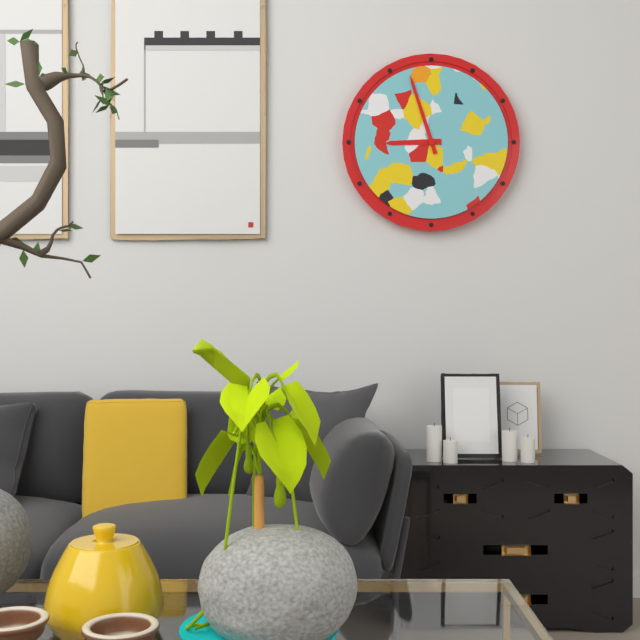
8:57
